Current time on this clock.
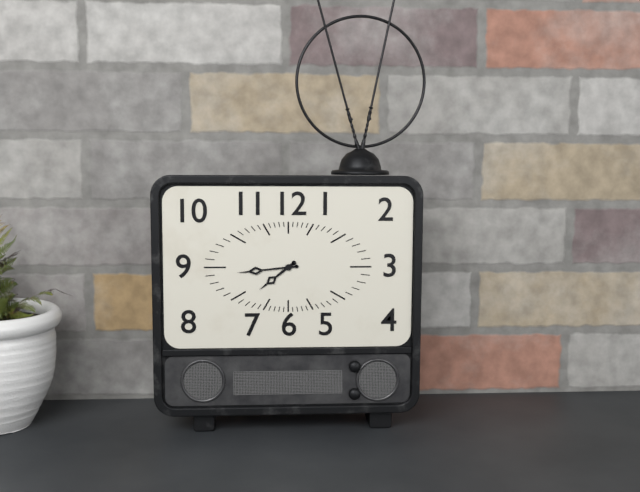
7:44
